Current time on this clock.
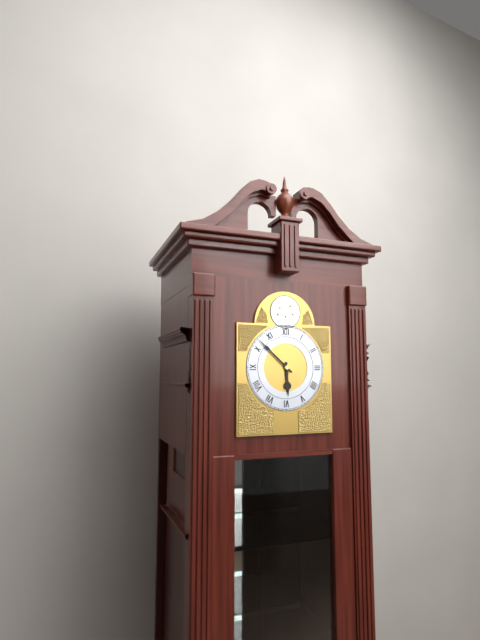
5:52
